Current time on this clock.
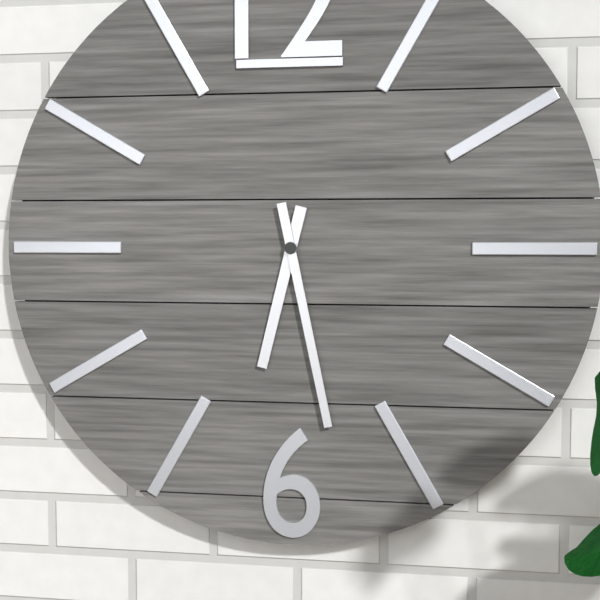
6:28
